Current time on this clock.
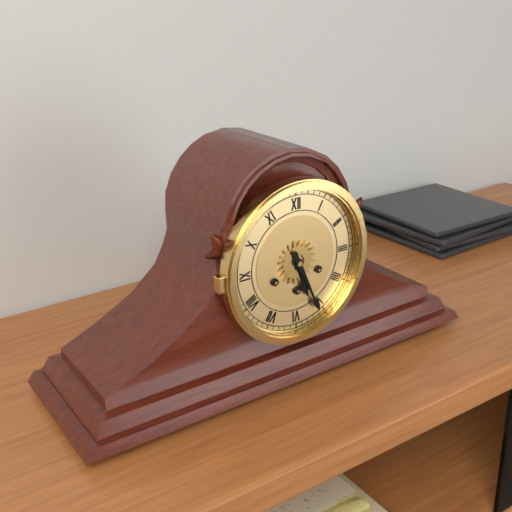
5:26
